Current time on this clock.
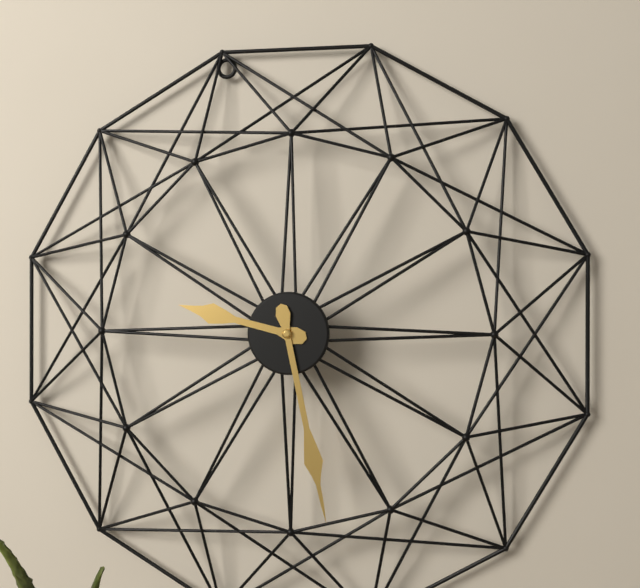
9:28
